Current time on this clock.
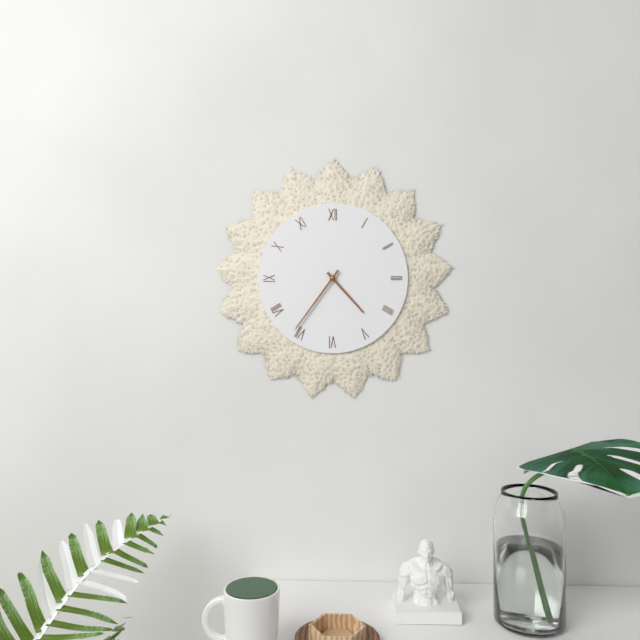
4:36
